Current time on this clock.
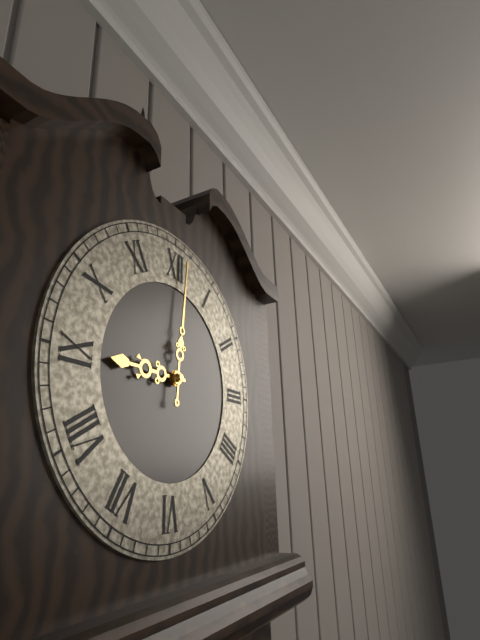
9:01
